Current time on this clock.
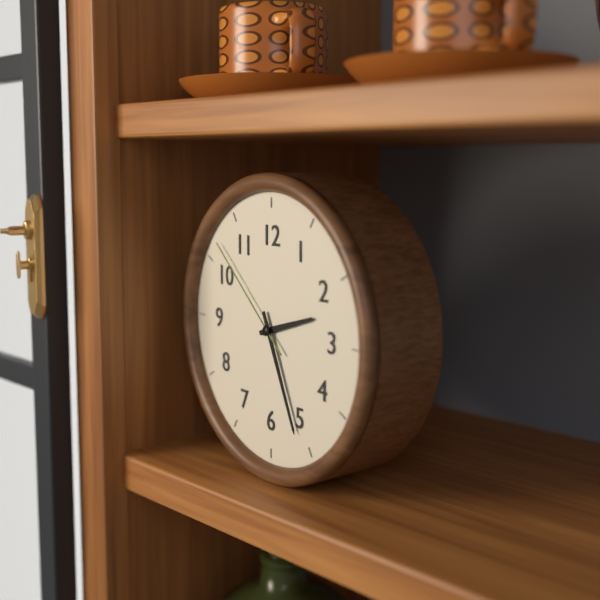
2:26:52
